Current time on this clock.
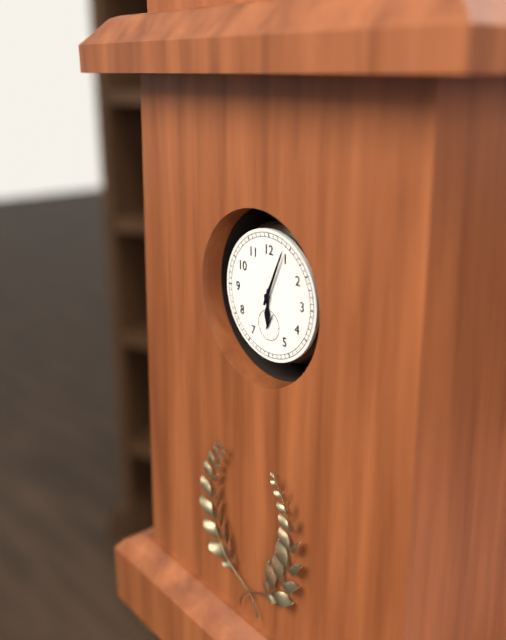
6:04
